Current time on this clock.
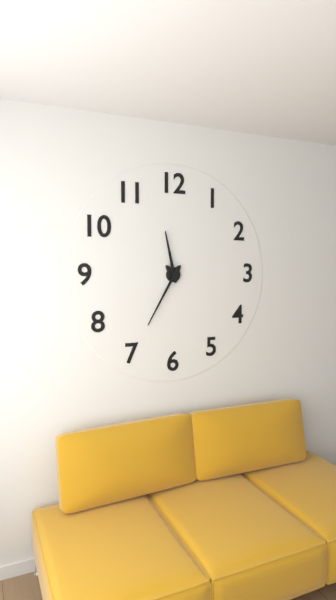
11:35
